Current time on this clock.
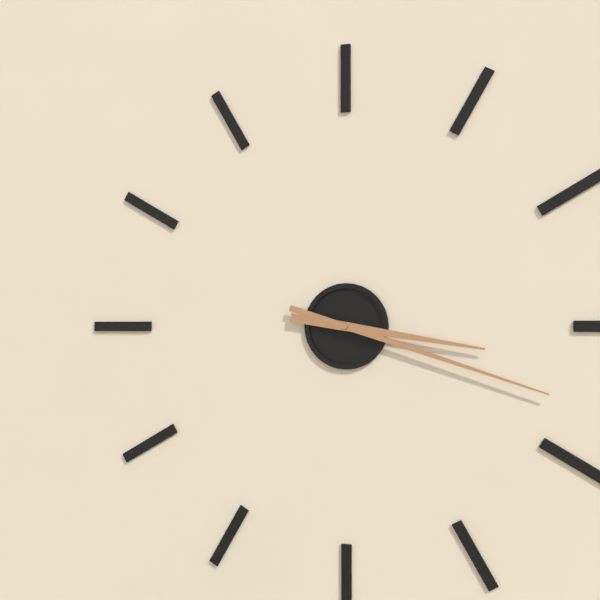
3:18
